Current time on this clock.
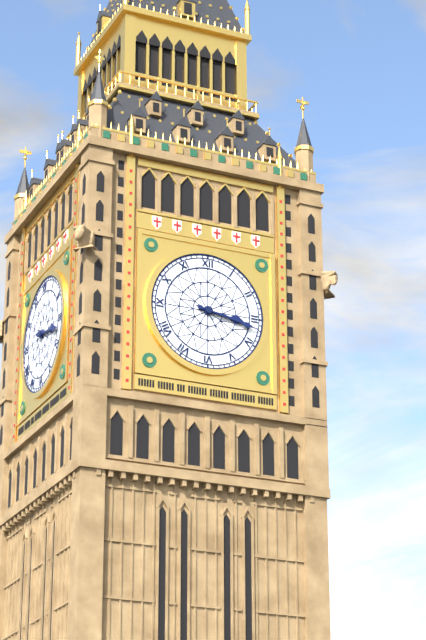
3:17
